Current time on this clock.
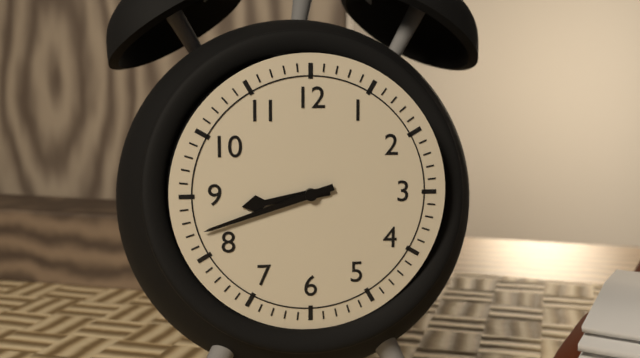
8:42
